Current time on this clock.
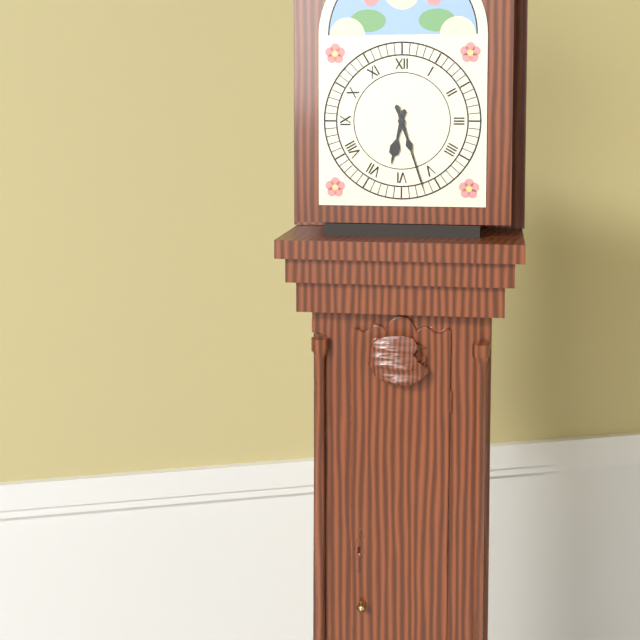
6:27
